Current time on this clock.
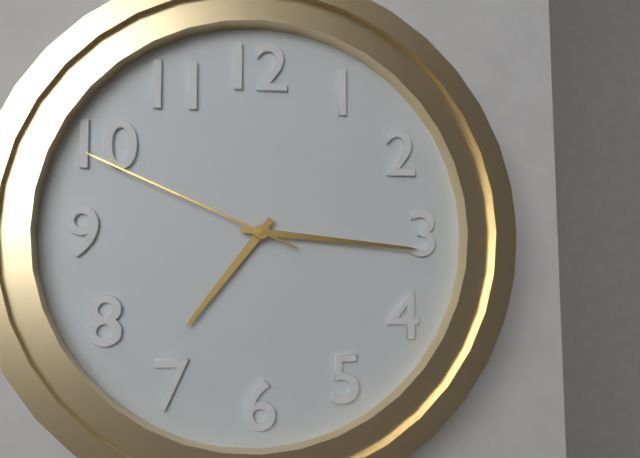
7:16:49
